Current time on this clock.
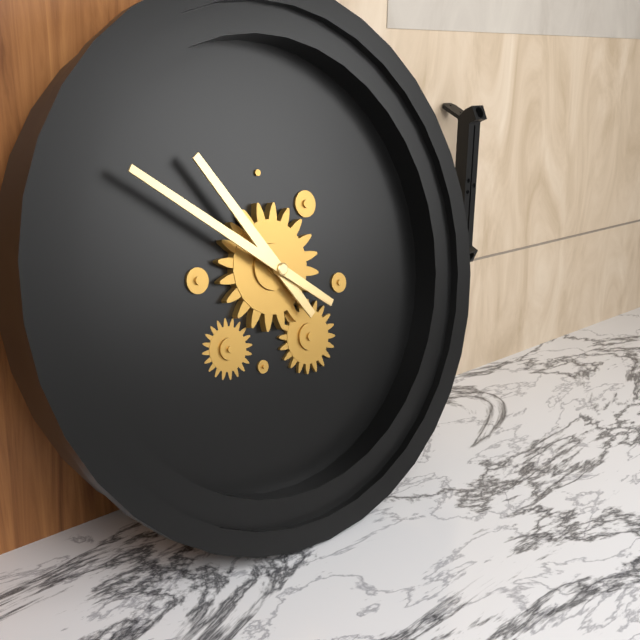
10:51
